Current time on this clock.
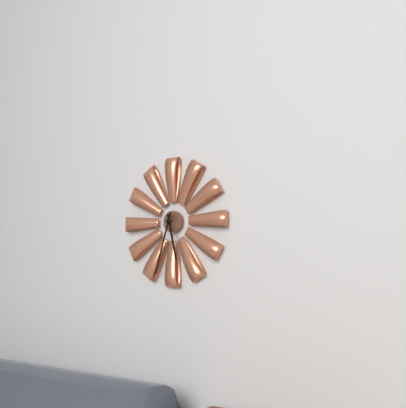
5:33
